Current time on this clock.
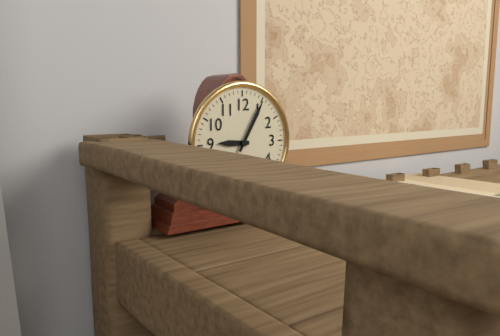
9:05
